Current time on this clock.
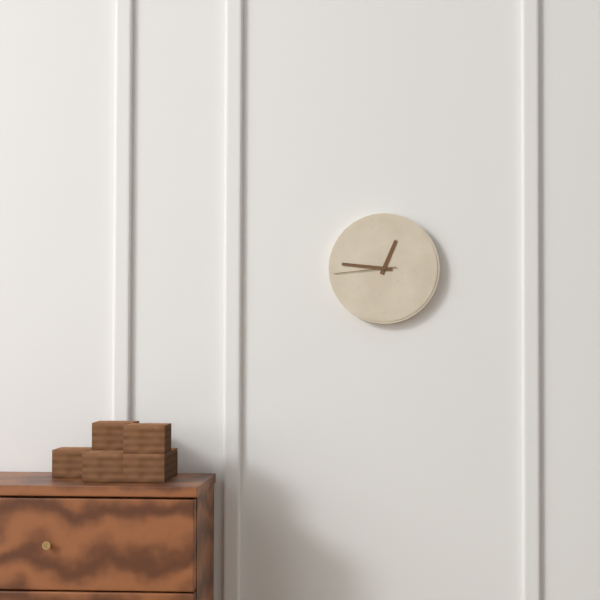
12:46:44
